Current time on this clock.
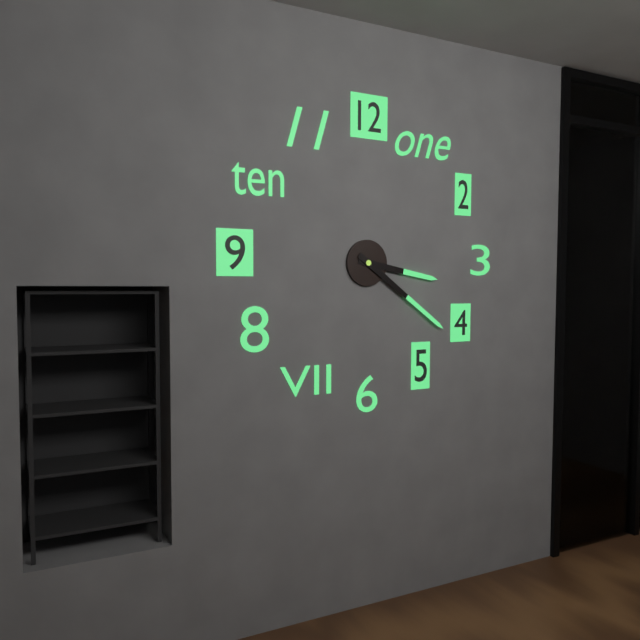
3:21
